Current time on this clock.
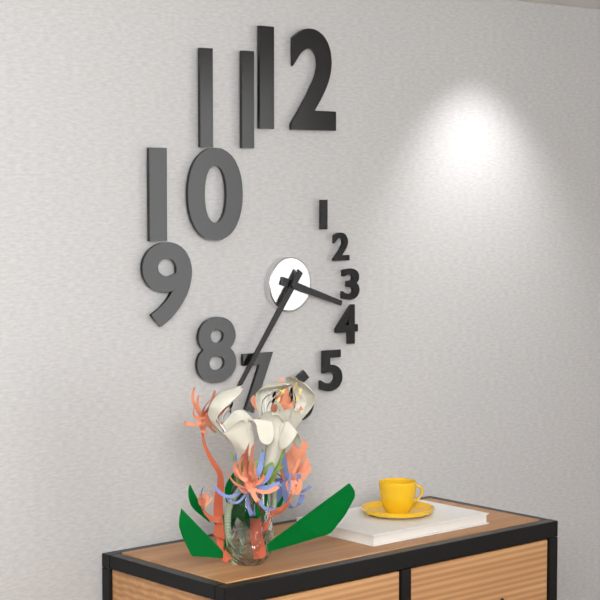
3:36
